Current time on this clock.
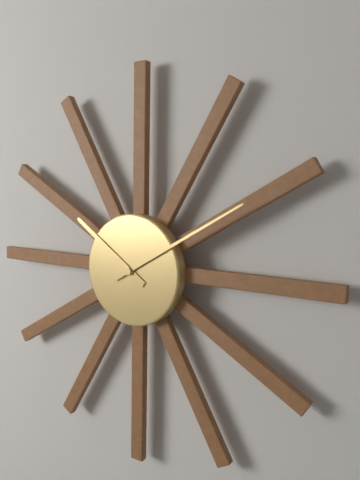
10:10
